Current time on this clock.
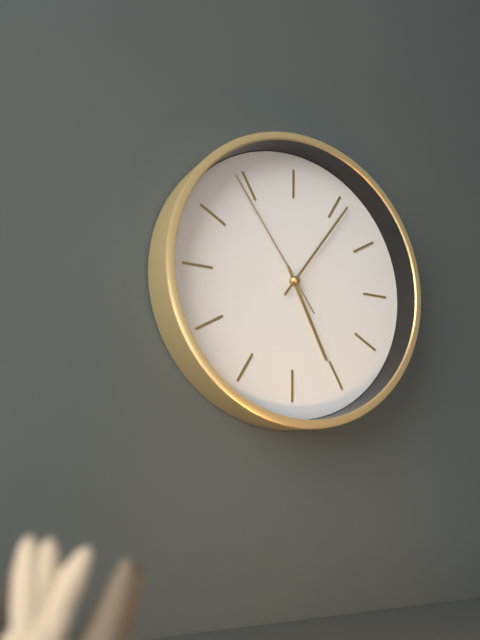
5:06:54
